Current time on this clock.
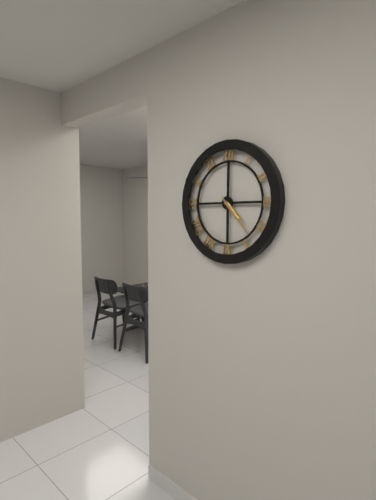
4:23
